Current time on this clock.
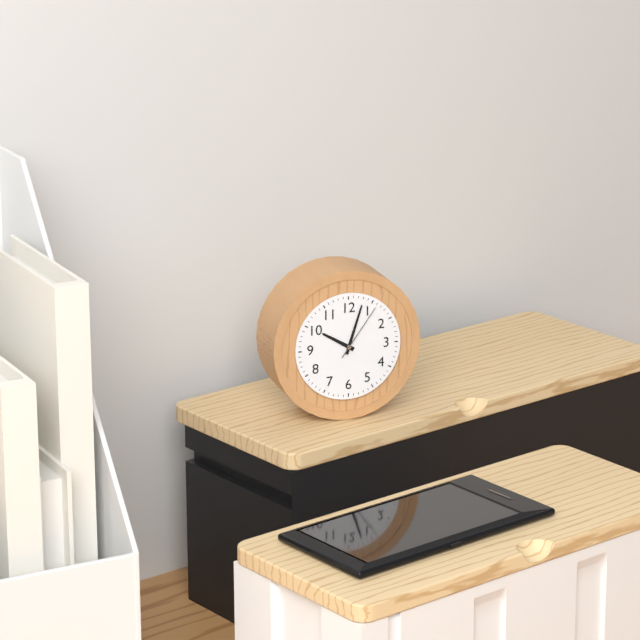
10:03:06
